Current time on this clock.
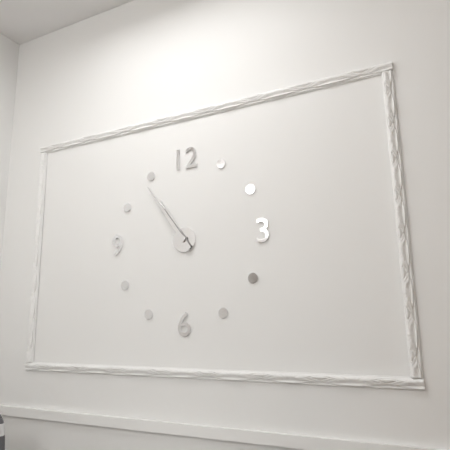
10:54
